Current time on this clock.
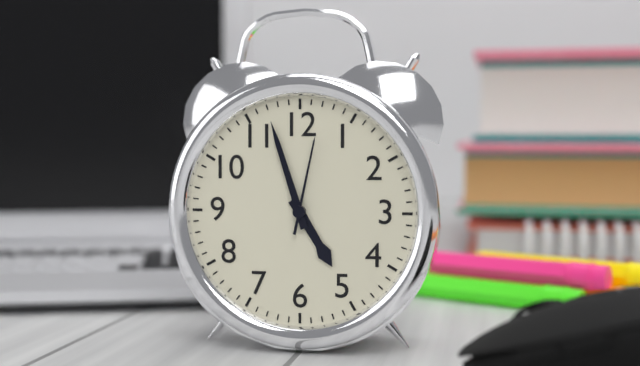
4:57:02
